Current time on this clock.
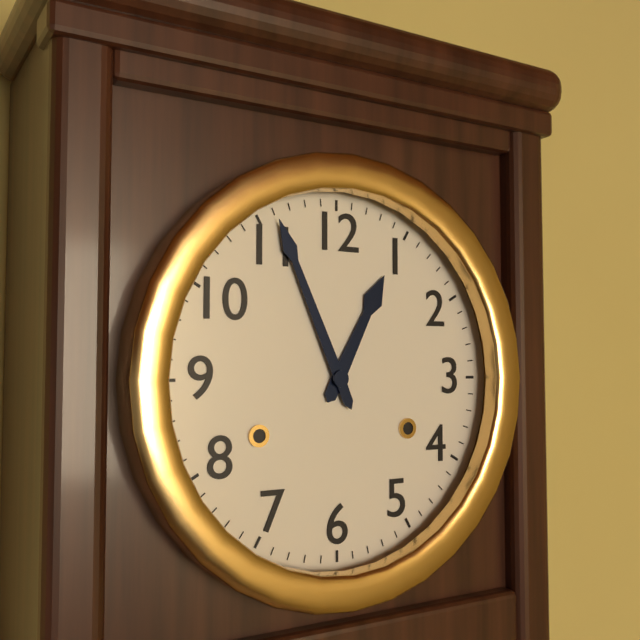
12:56
